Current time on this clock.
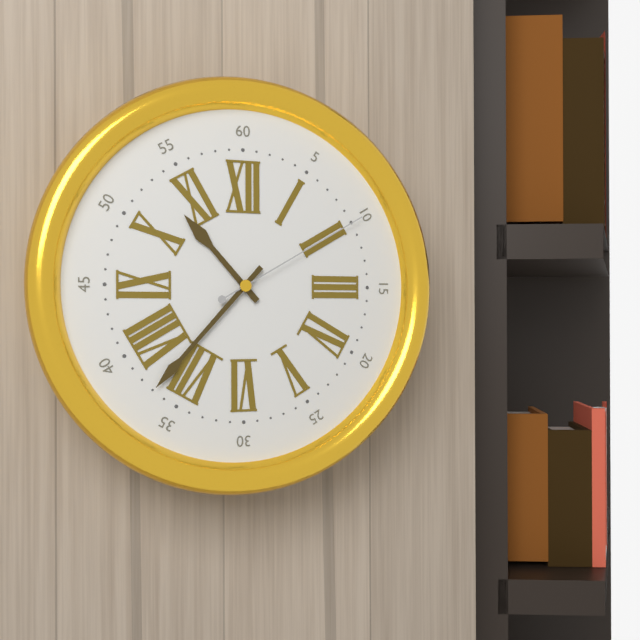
10:37:10
